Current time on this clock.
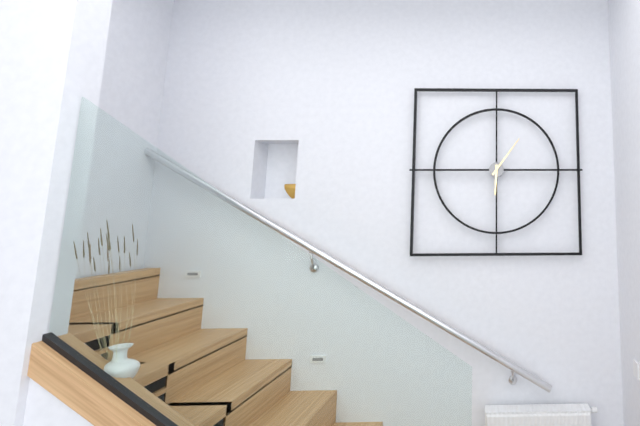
6:06
